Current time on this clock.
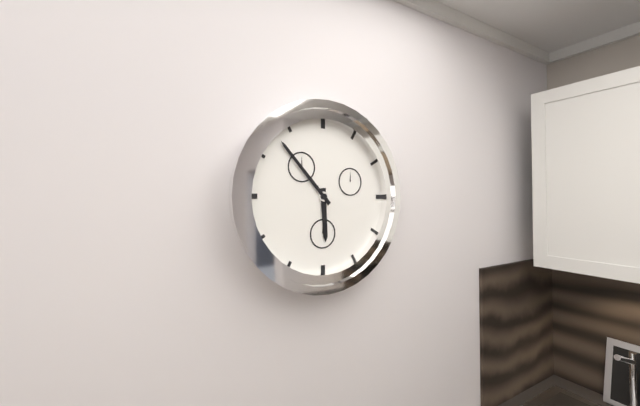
5:53
